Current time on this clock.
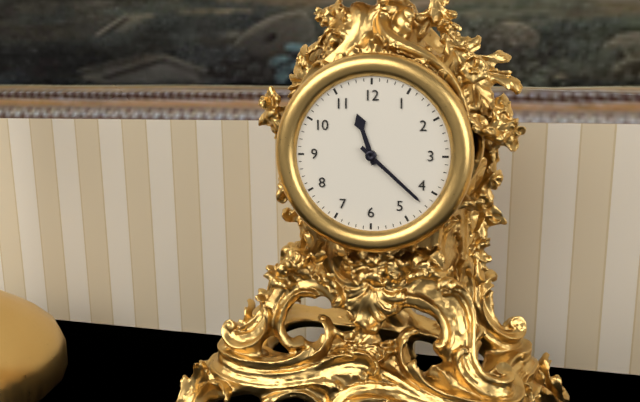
11:22
